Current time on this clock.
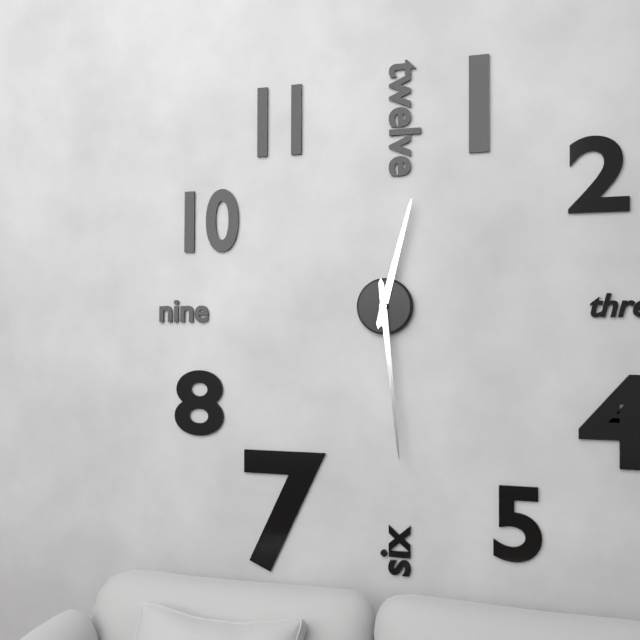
12:29
